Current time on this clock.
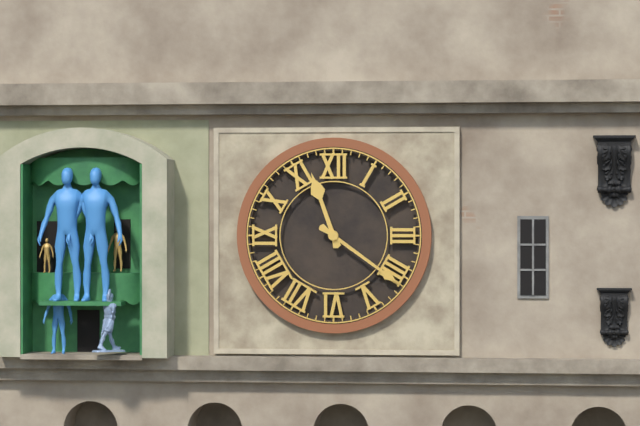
11:21
